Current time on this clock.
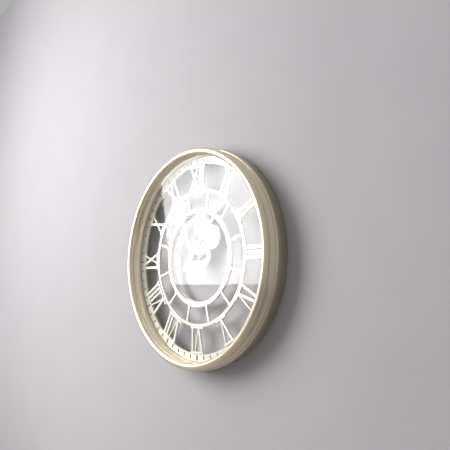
11:07
